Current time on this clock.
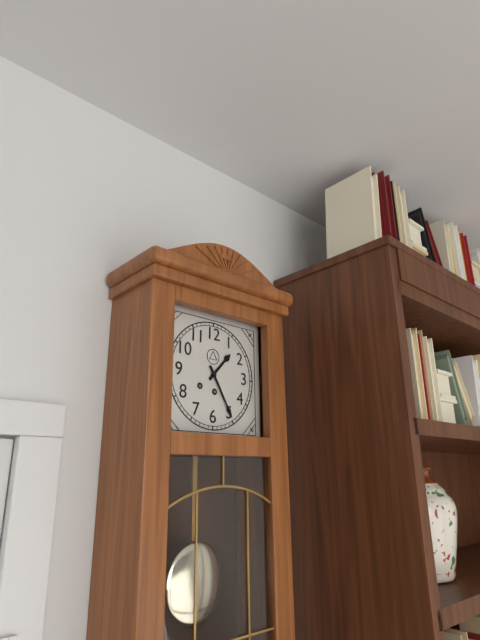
1:25
